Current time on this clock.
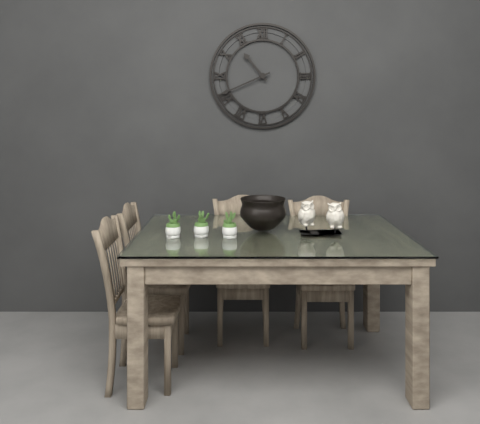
10:41
